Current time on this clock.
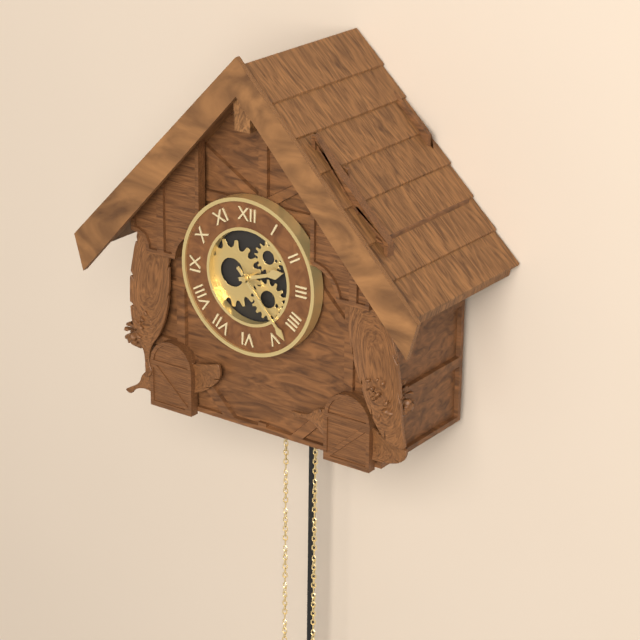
2:23
